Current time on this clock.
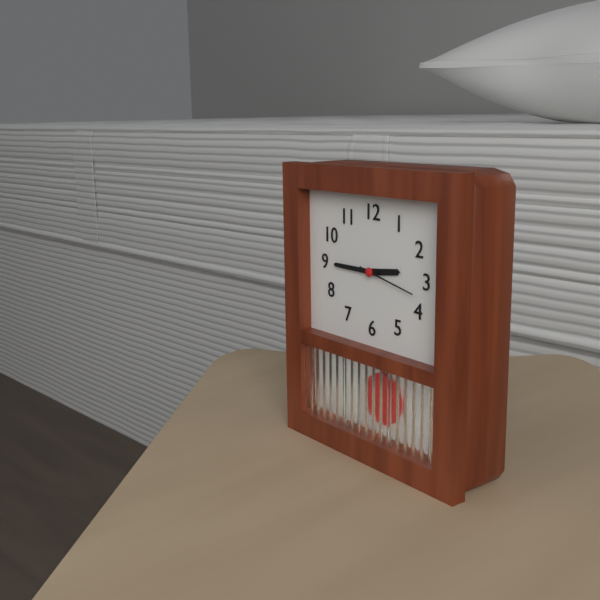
2:45:17
